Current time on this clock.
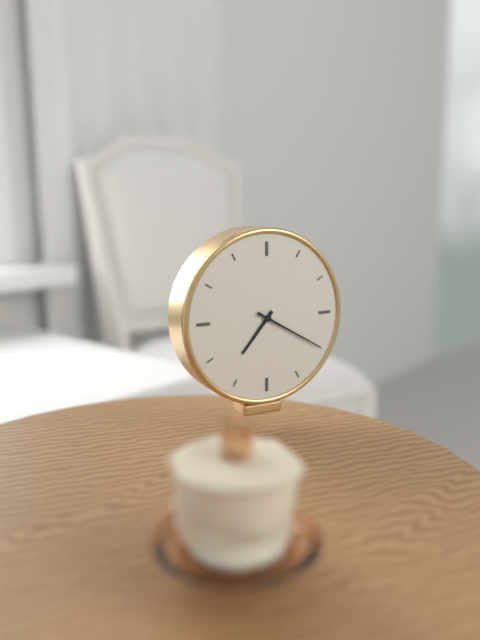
7:20
